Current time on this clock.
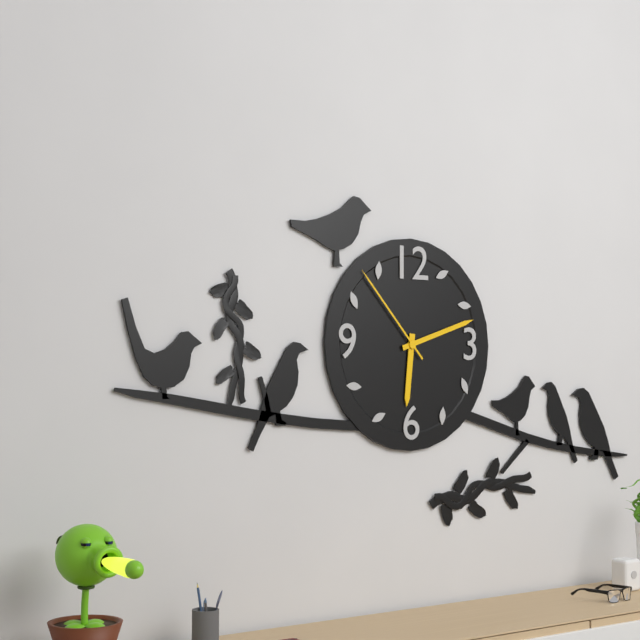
6:12:53
